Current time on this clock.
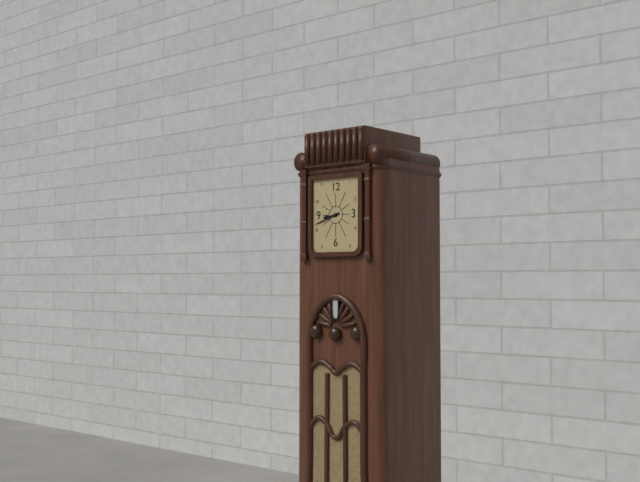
8:42
